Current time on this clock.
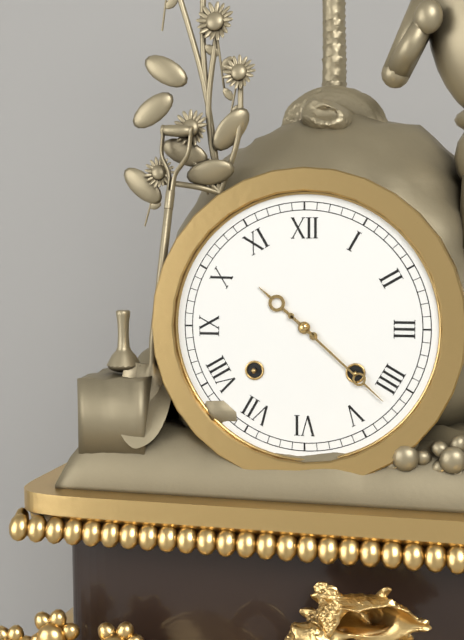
10:22
